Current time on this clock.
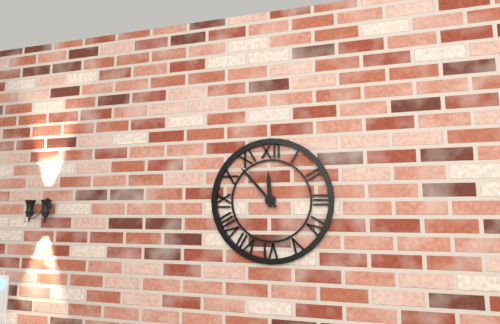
11:53
